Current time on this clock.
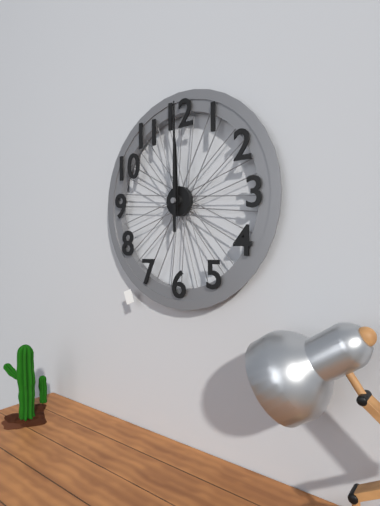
12:00
